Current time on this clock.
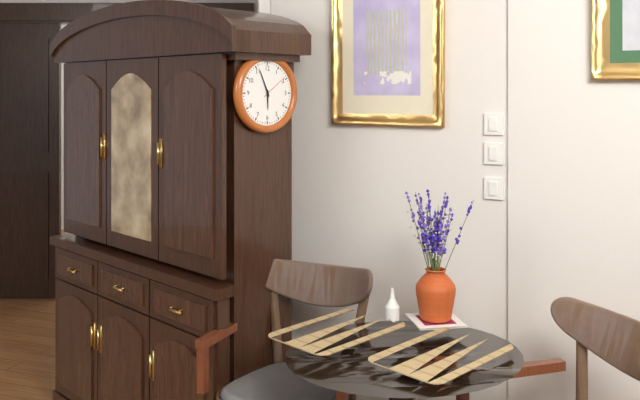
5:56
